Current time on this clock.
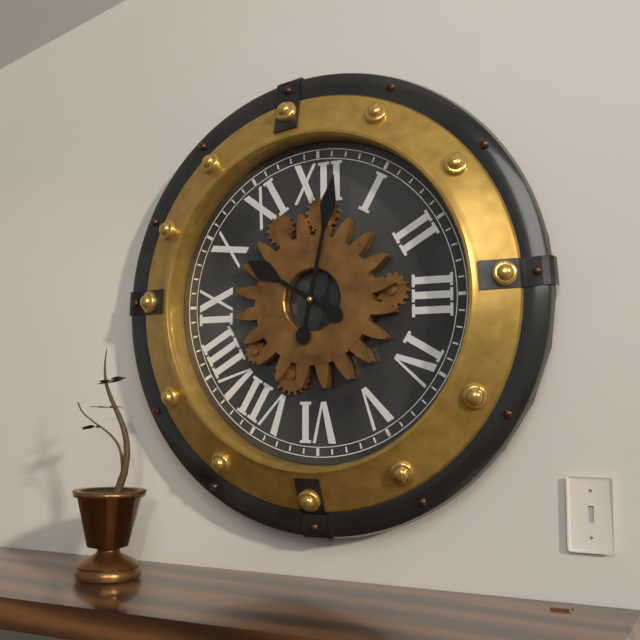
10:02
